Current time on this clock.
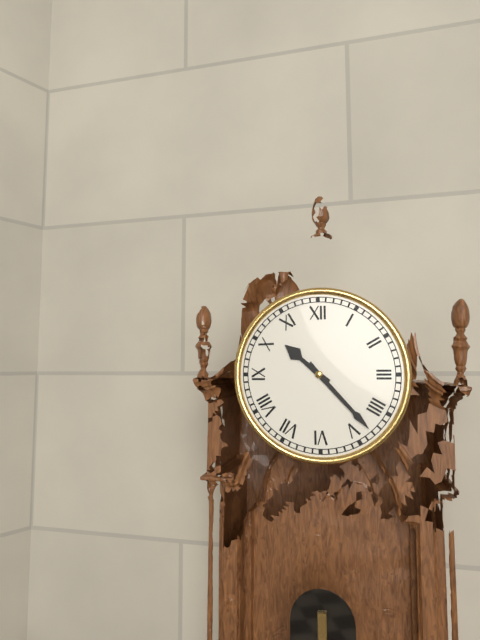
10:23
